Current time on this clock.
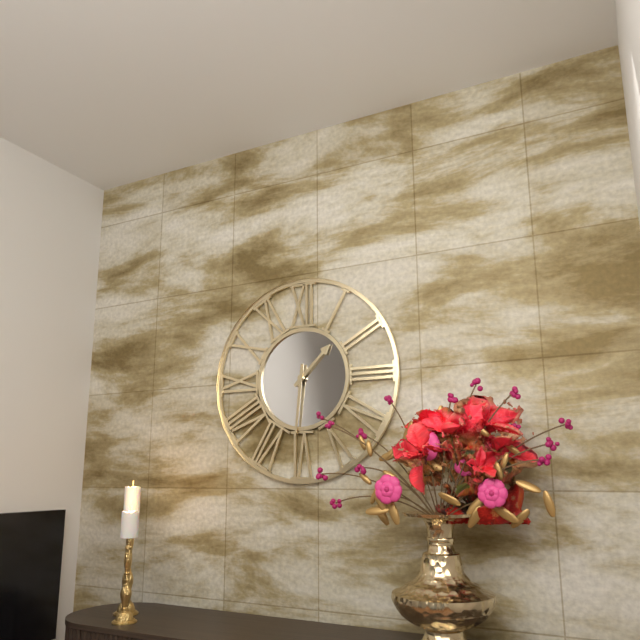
1:31
